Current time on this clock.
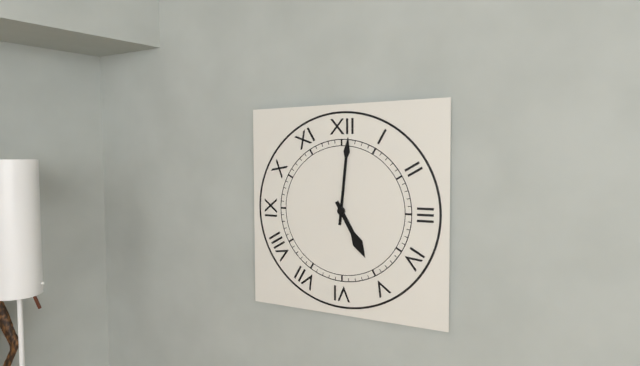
5:01
